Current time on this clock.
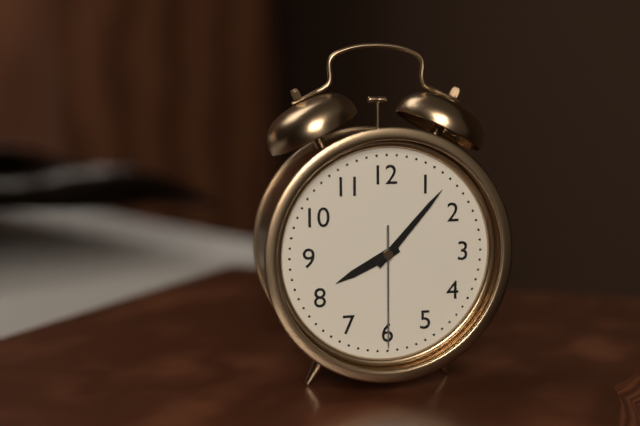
8:07:30
